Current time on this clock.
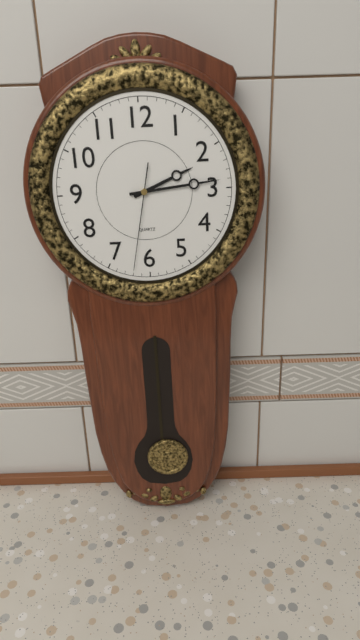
2:14:32
